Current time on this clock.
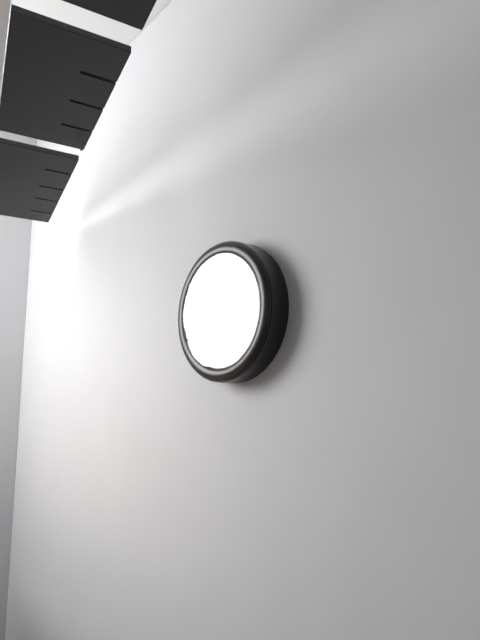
12:38
